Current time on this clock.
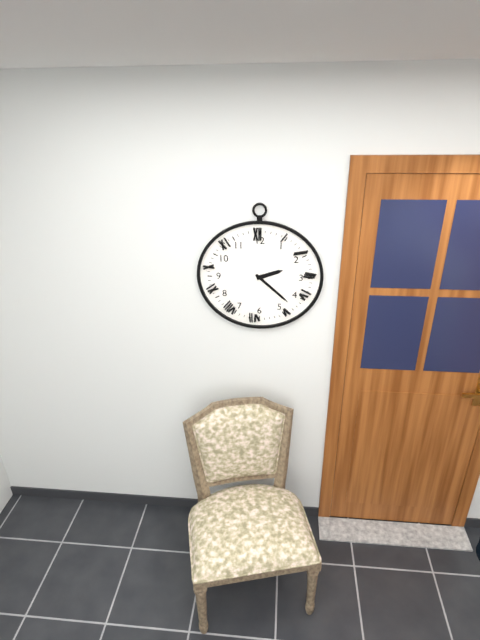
2:22
